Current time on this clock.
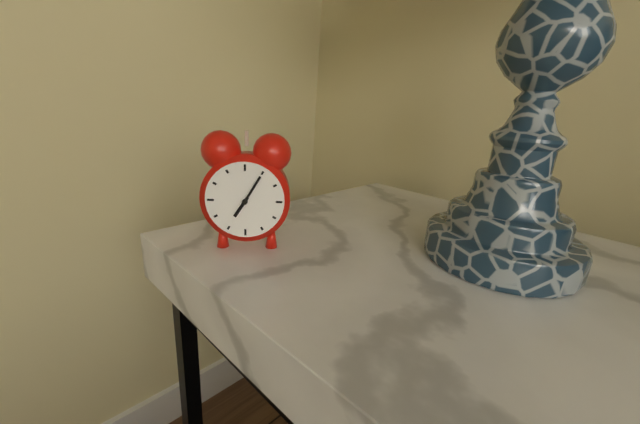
7:05
